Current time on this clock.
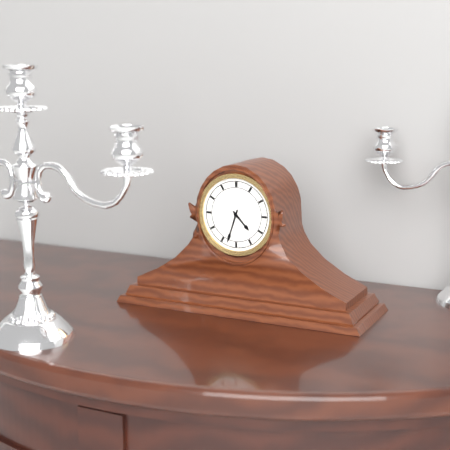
4:33
